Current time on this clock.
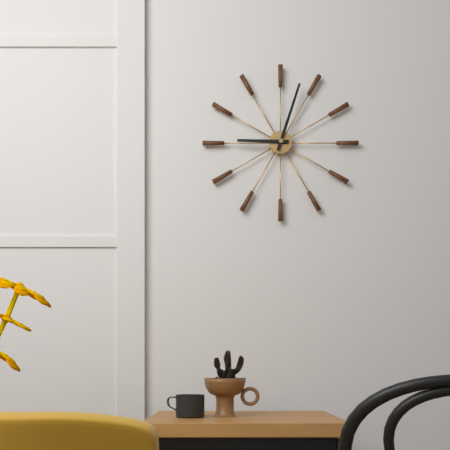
9:03
